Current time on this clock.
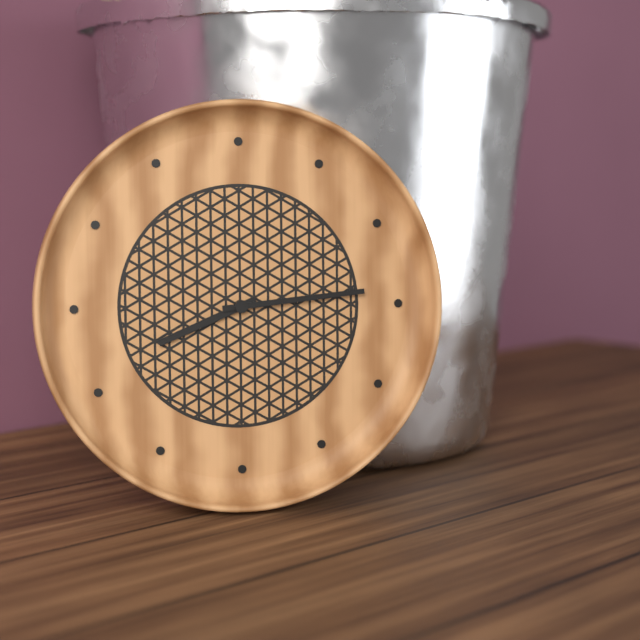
8:14
